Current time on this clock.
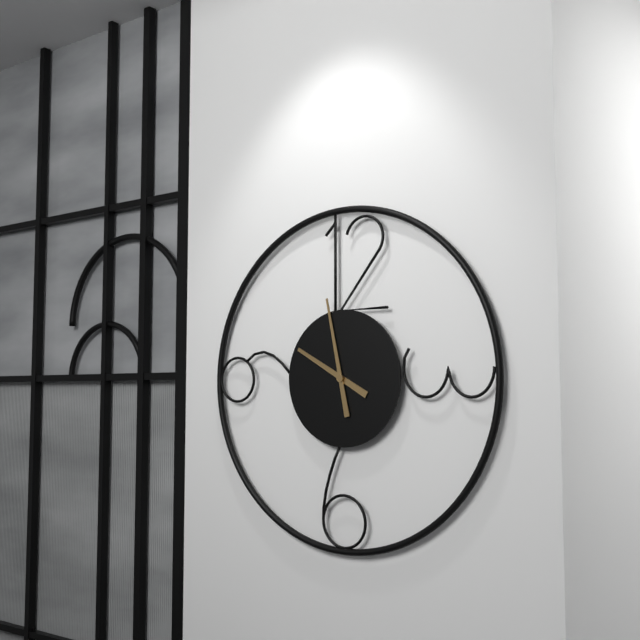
9:58
